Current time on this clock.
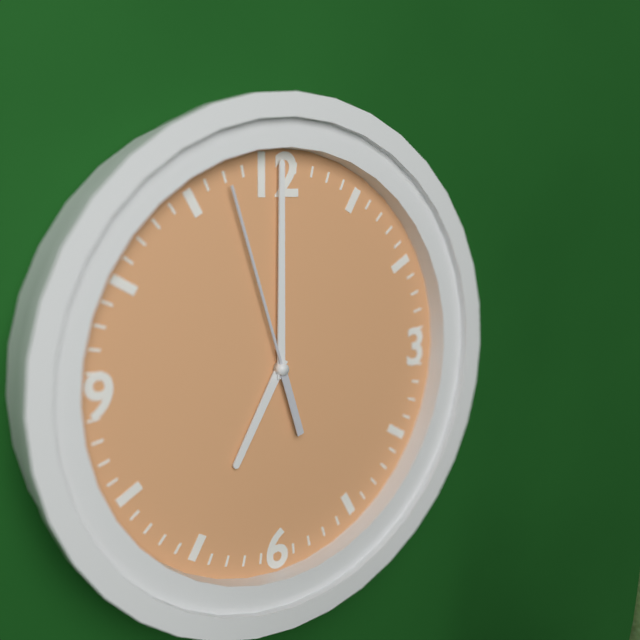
7:00:57
